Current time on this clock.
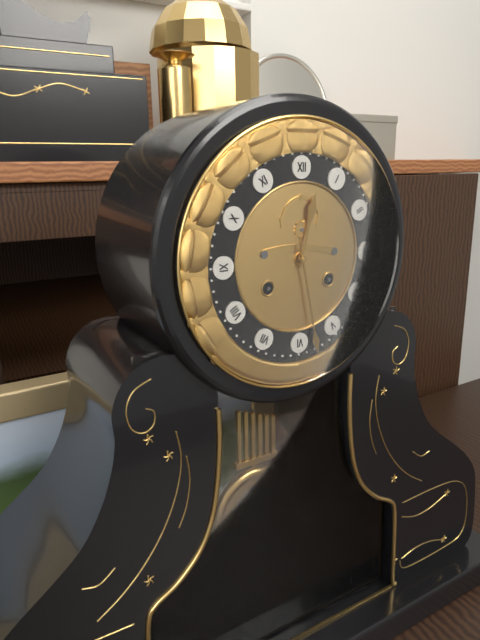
12:28
